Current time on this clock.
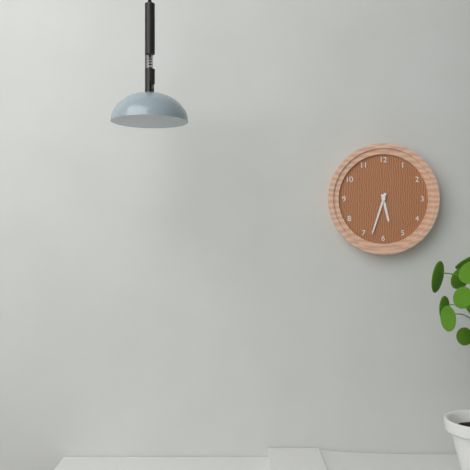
5:33
